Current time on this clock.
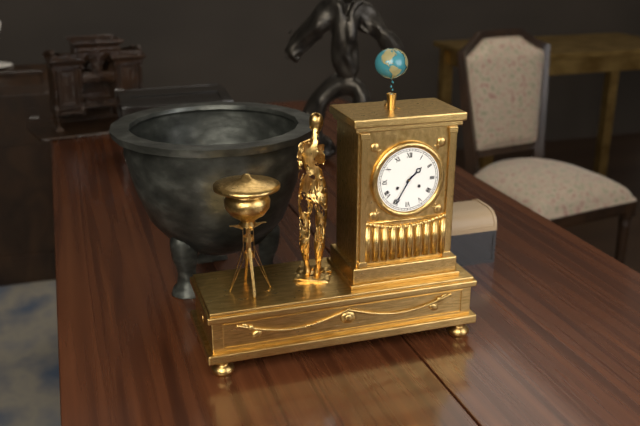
1:35
